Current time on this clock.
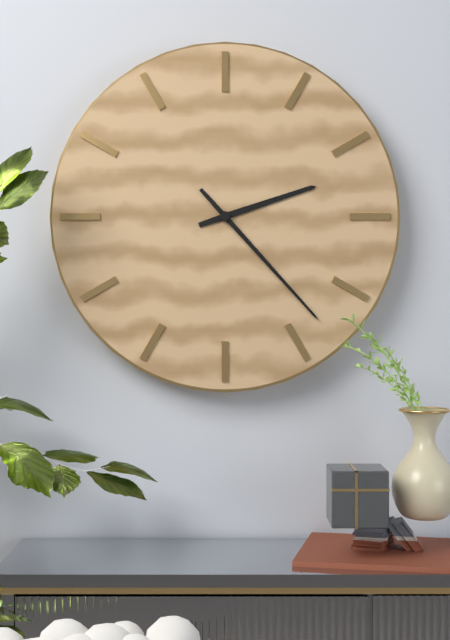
2:23
